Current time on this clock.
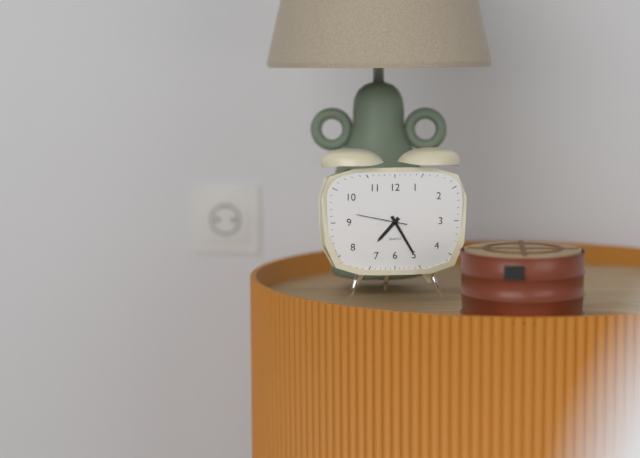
7:25
